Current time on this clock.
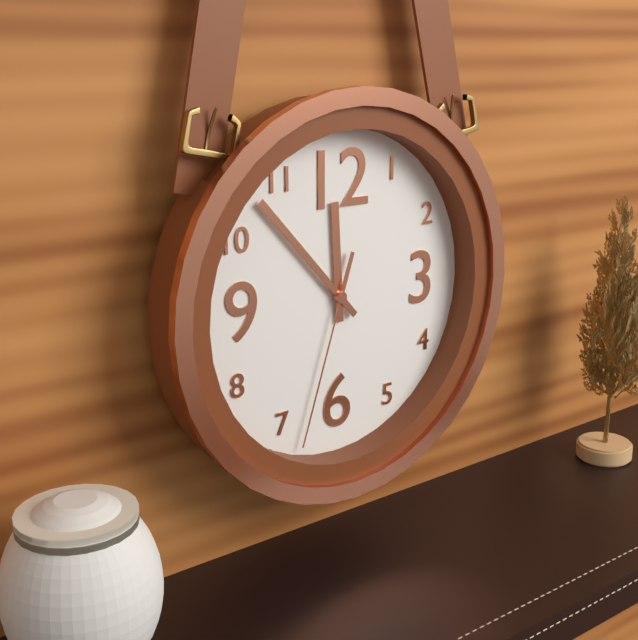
11:53:33
